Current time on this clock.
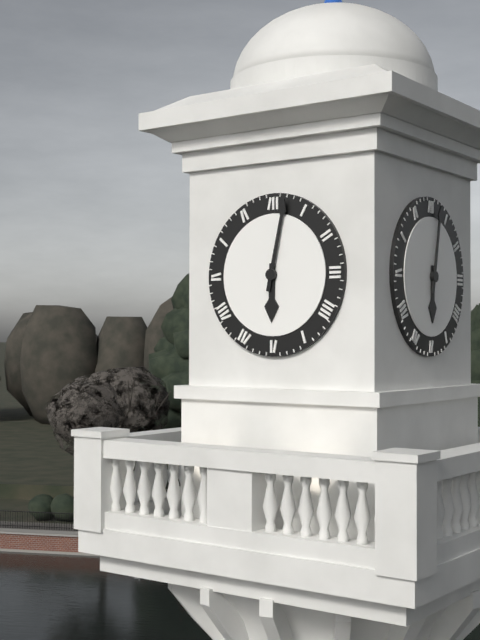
6:02
